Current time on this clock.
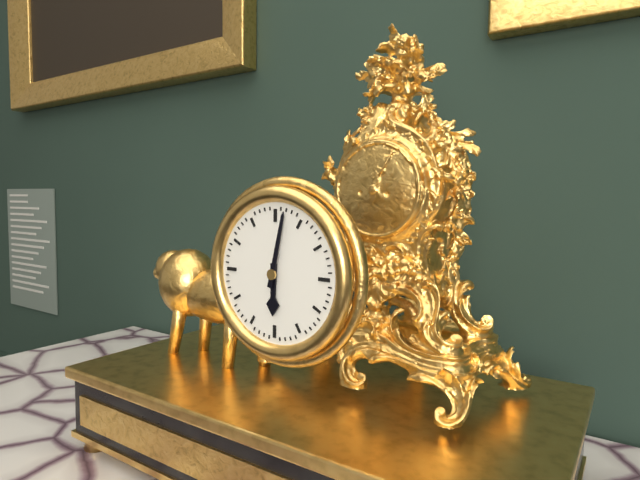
6:02
